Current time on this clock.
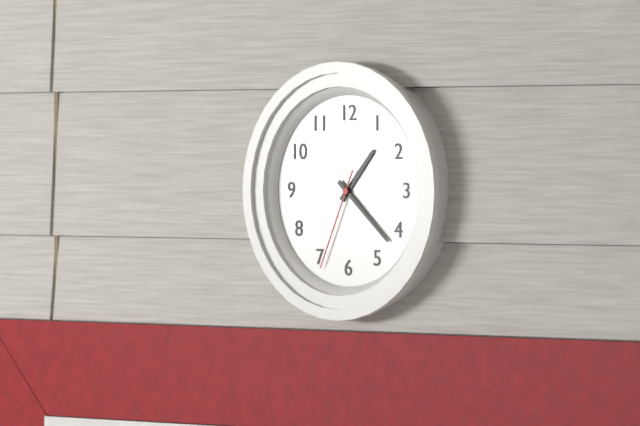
1:22:34
